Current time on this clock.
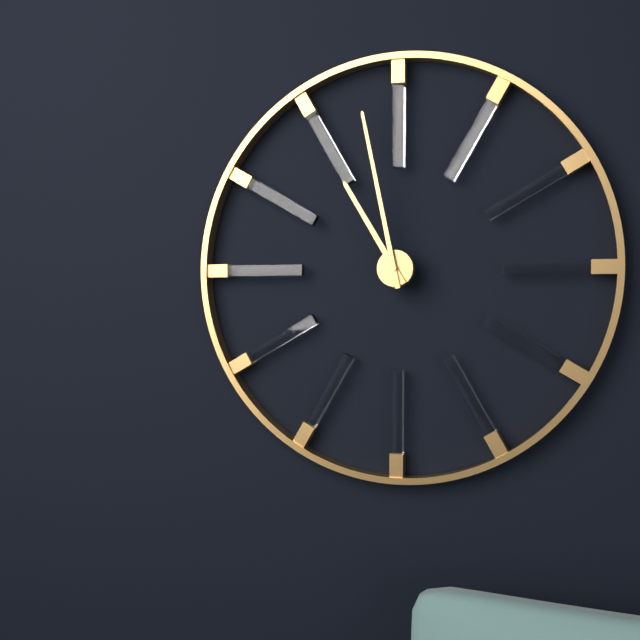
10:58
